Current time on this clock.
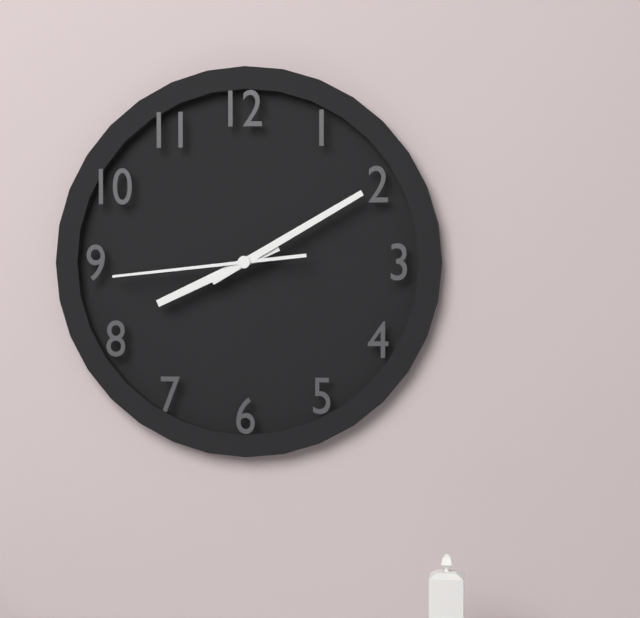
8:10:44
